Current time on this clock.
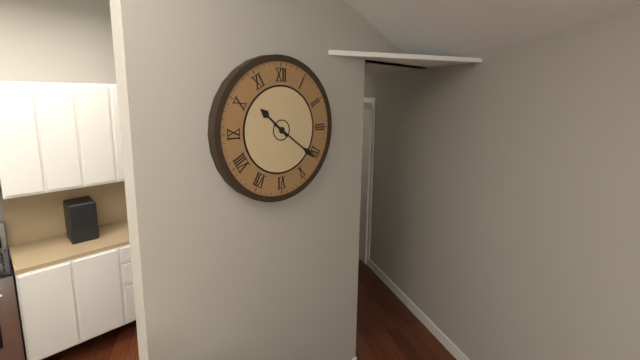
10:21
